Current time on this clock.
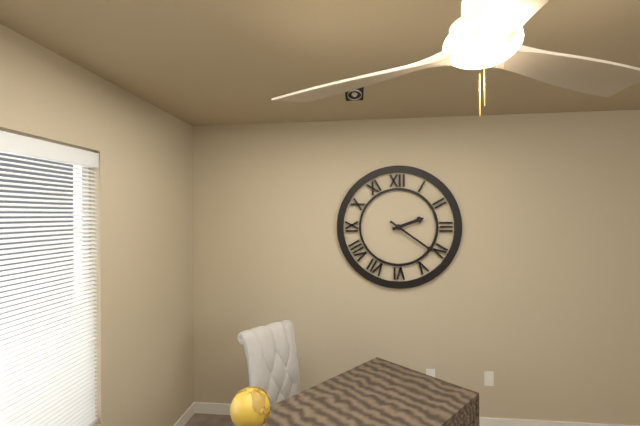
2:21
